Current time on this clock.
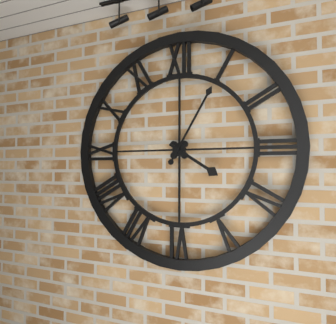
4:05
